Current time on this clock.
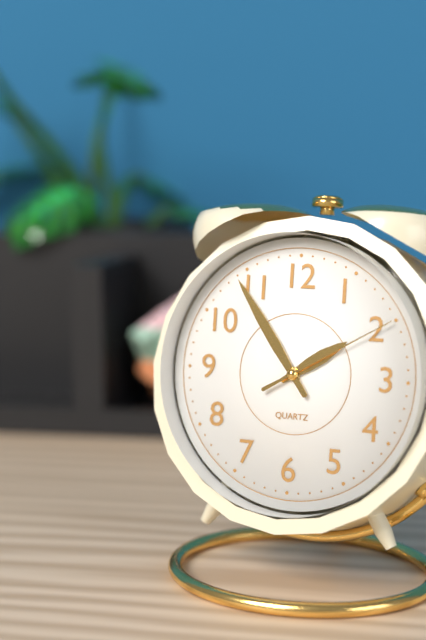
1:54:10
